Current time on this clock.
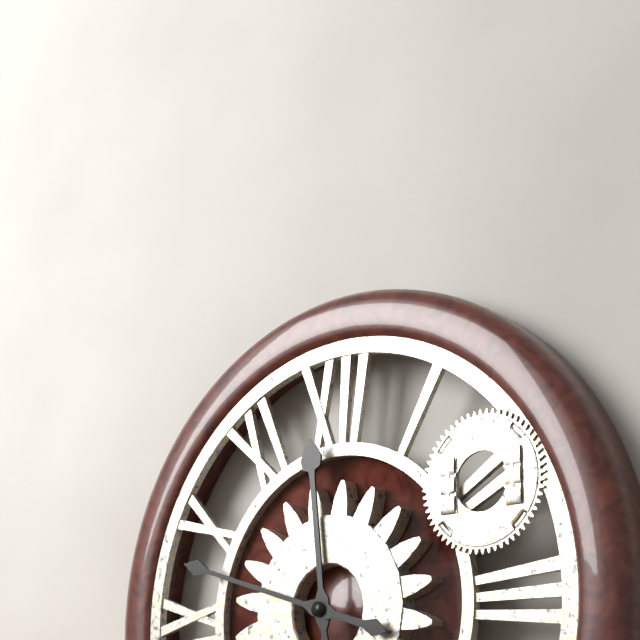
11:48
